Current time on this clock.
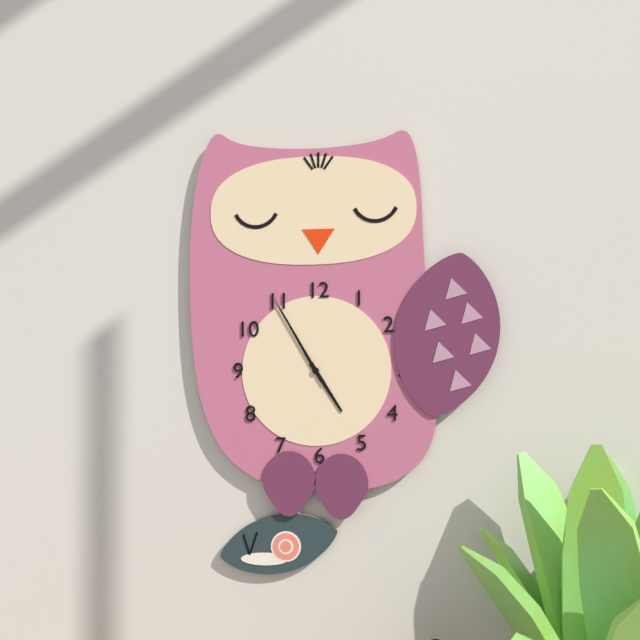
4:55:55
